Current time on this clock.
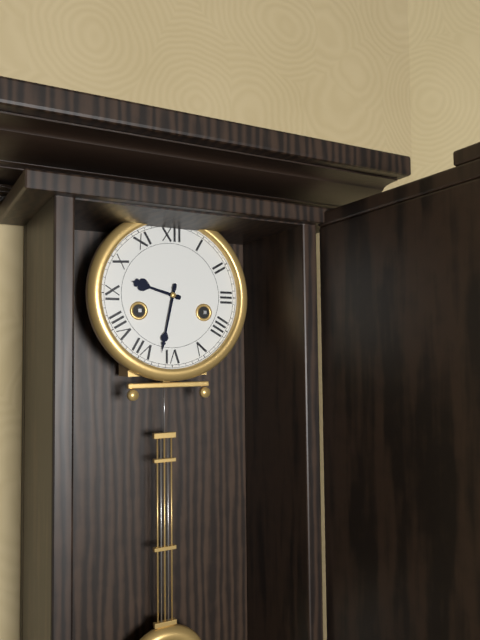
9:32
